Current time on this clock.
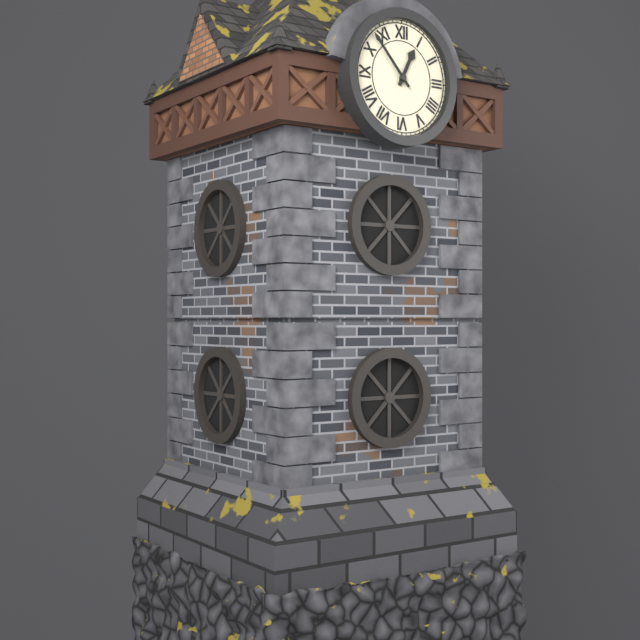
12:53
